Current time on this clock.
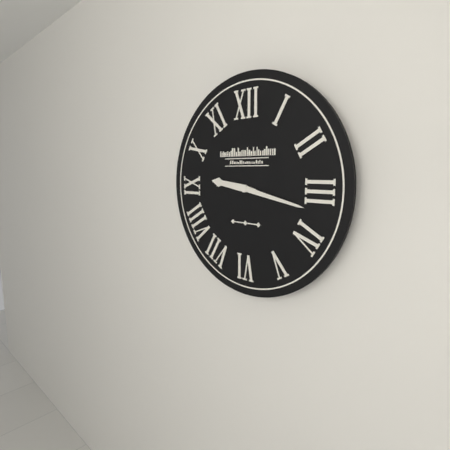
9:17
